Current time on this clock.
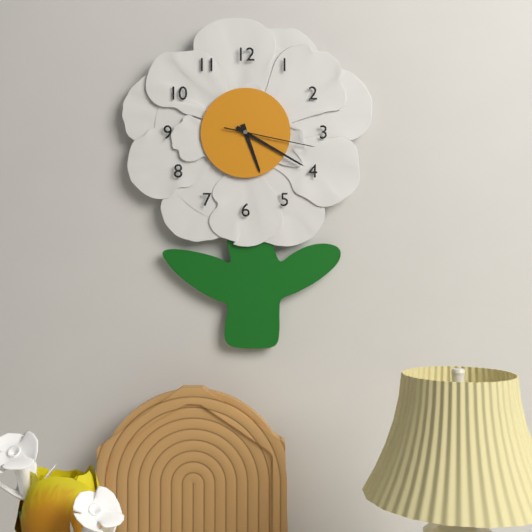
5:20:17
